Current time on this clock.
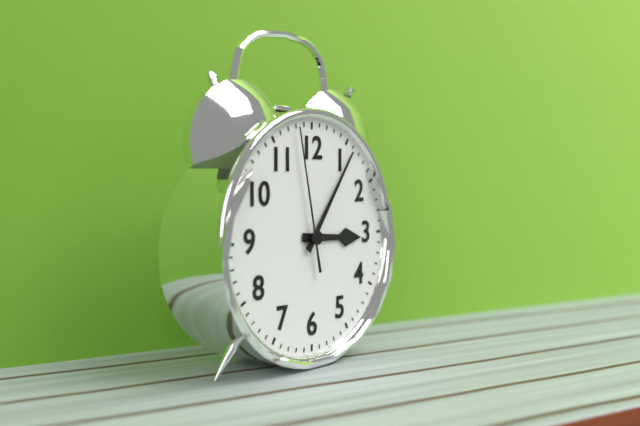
3:06:58
